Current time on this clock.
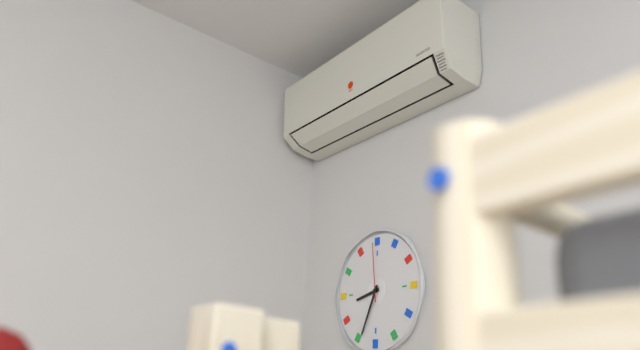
8:34:59
